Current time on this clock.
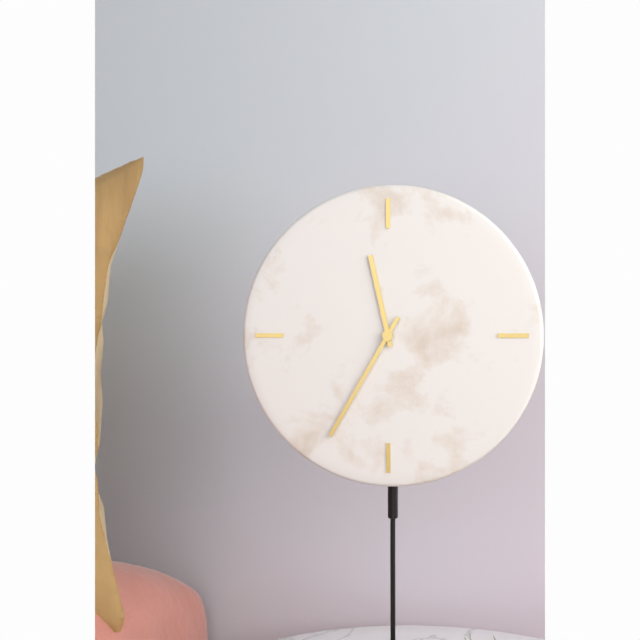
11:35
